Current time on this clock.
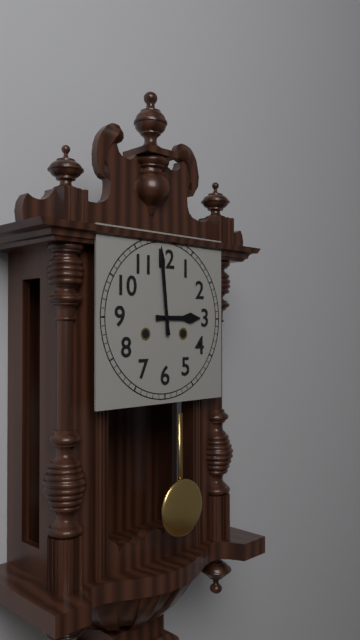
2:59
